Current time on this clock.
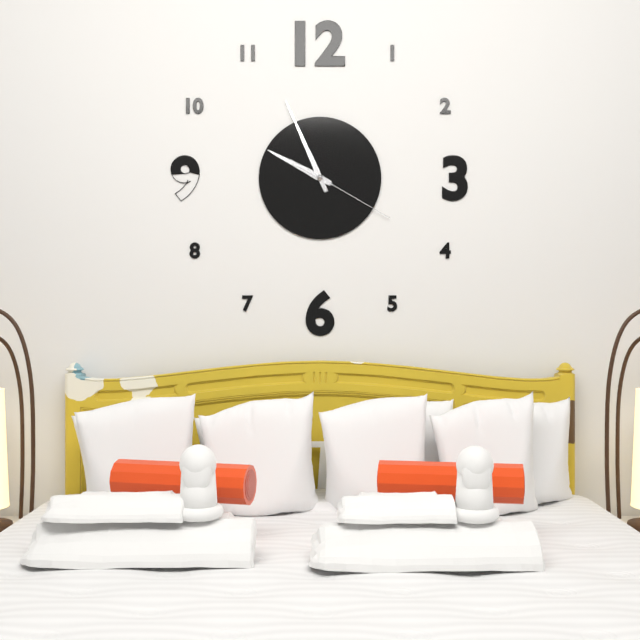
9:56:20
